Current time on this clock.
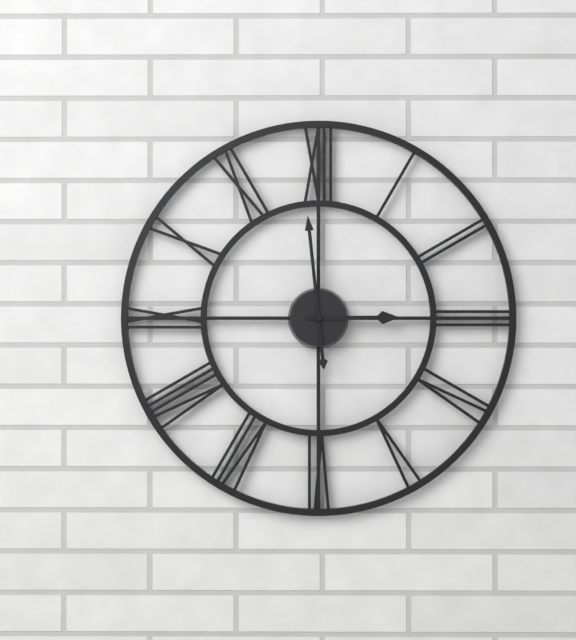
2:59
